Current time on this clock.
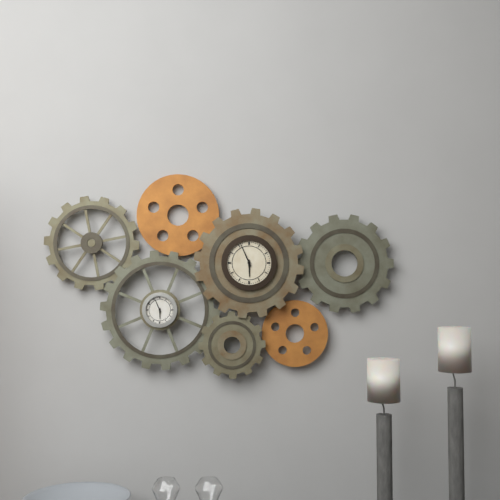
5:56
